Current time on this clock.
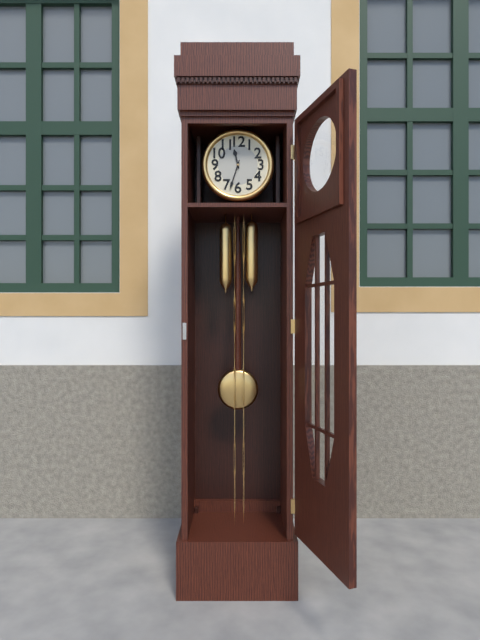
11:33
